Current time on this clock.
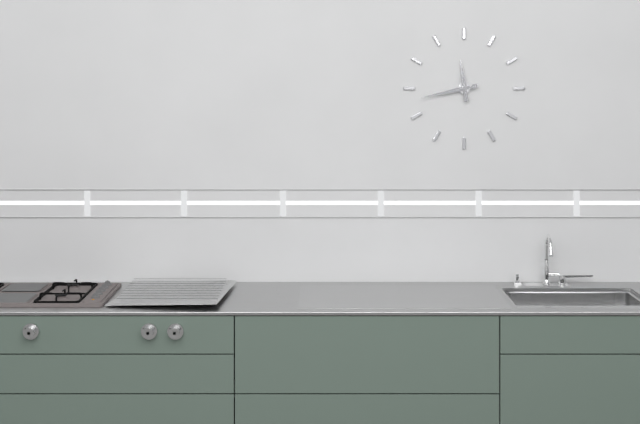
11:43
